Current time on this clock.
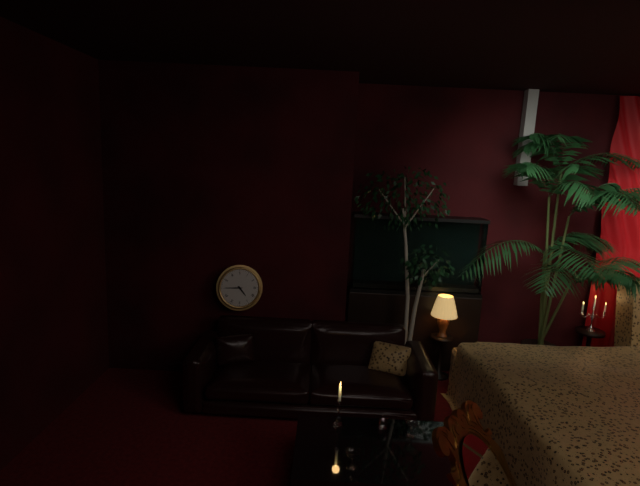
4:45
